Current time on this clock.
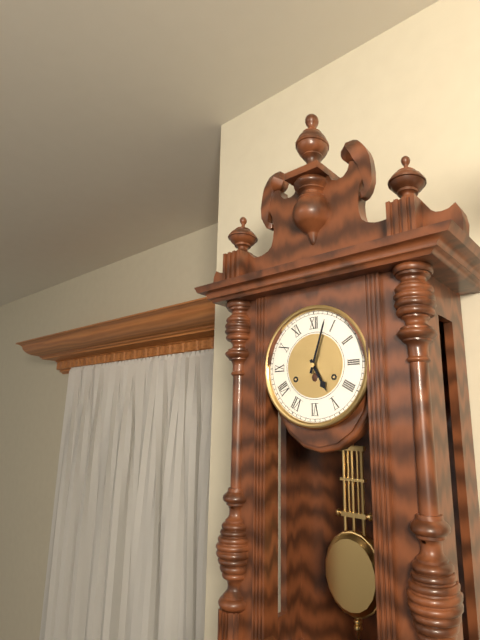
5:03
